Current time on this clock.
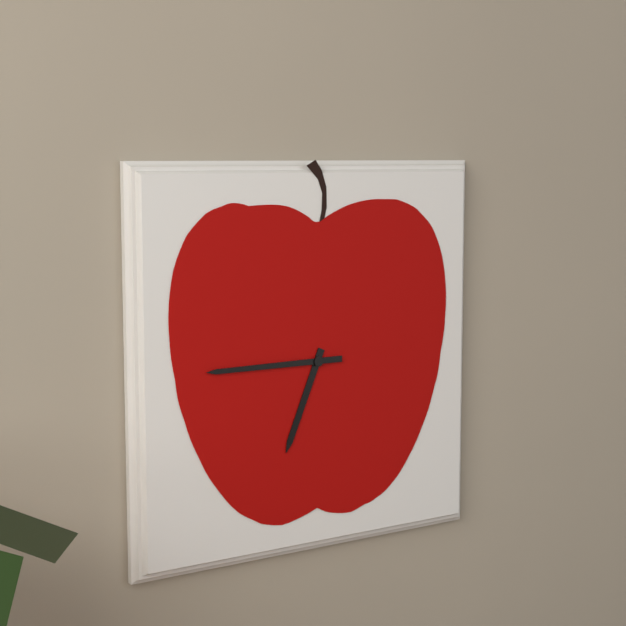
6:45
